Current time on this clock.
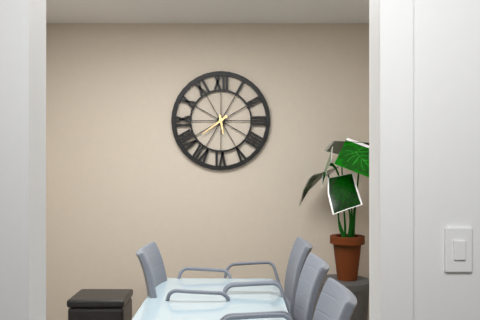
5:39
